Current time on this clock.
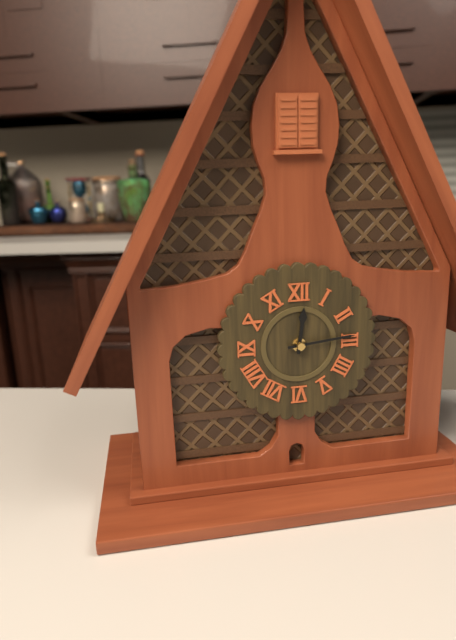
12:14
